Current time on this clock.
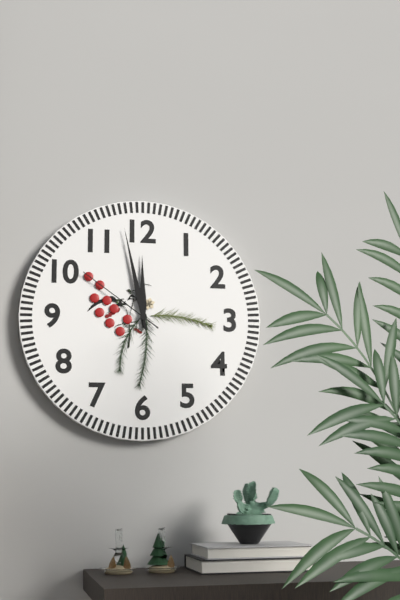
11:58:51
